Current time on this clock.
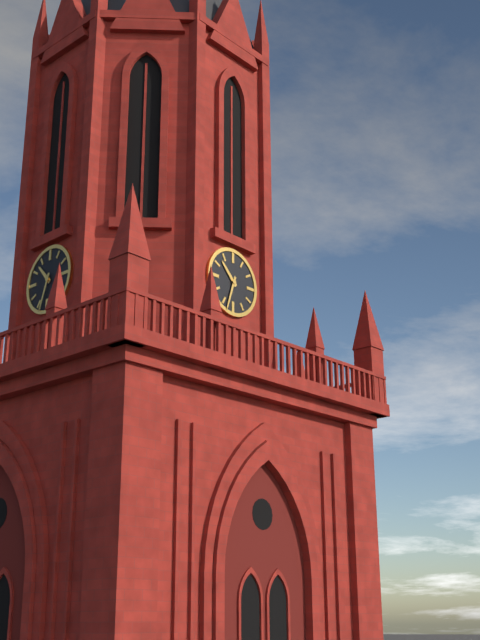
10:33
